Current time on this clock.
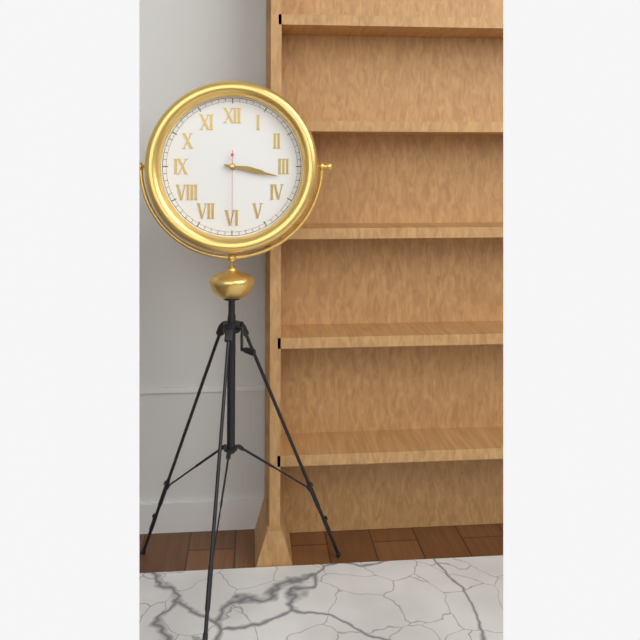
3:17:30
